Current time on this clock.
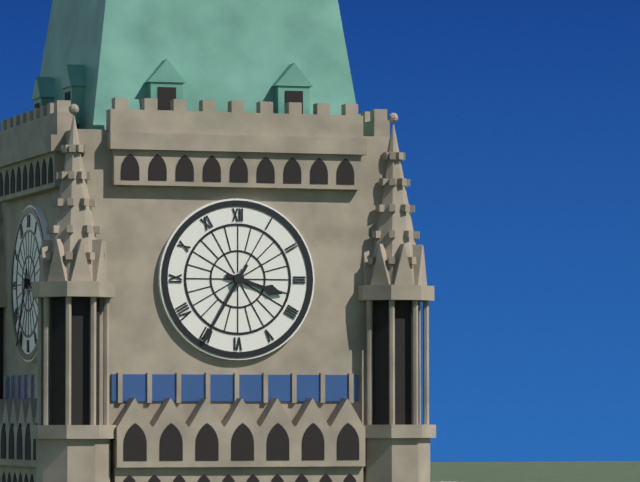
3:35
